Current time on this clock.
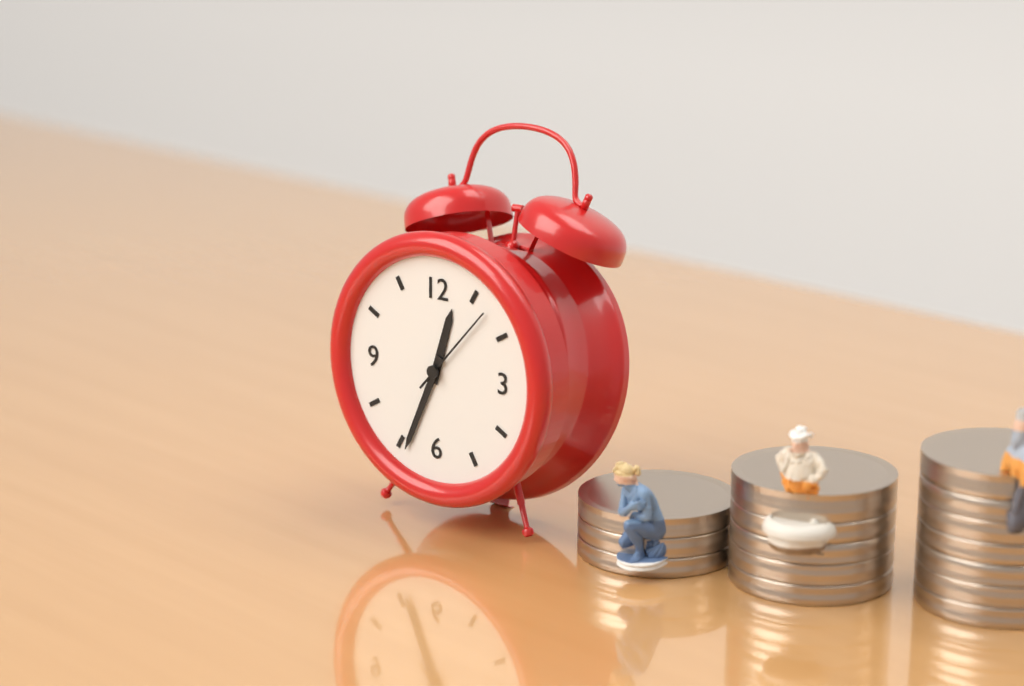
12:34:07
